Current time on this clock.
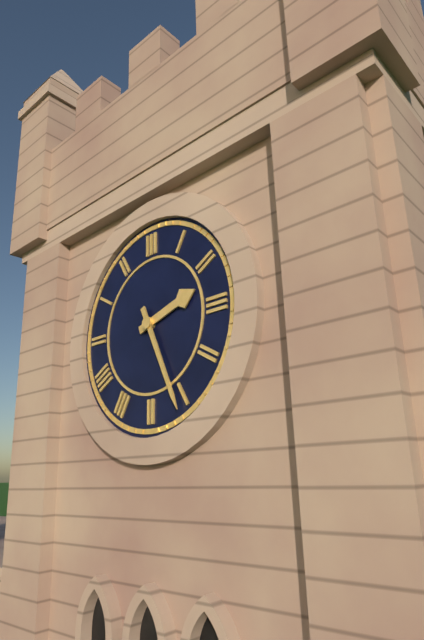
2:26
